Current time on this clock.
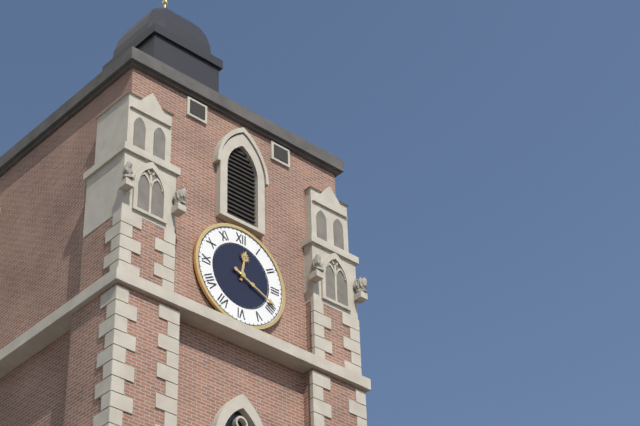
12:19
